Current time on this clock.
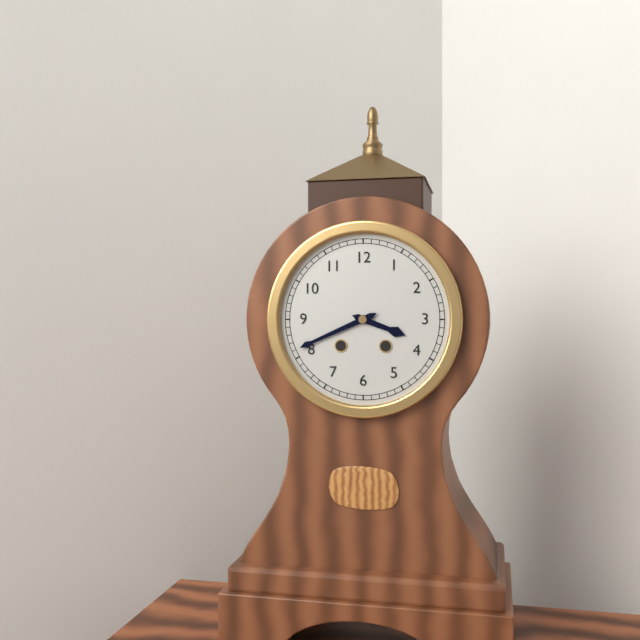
3:41
